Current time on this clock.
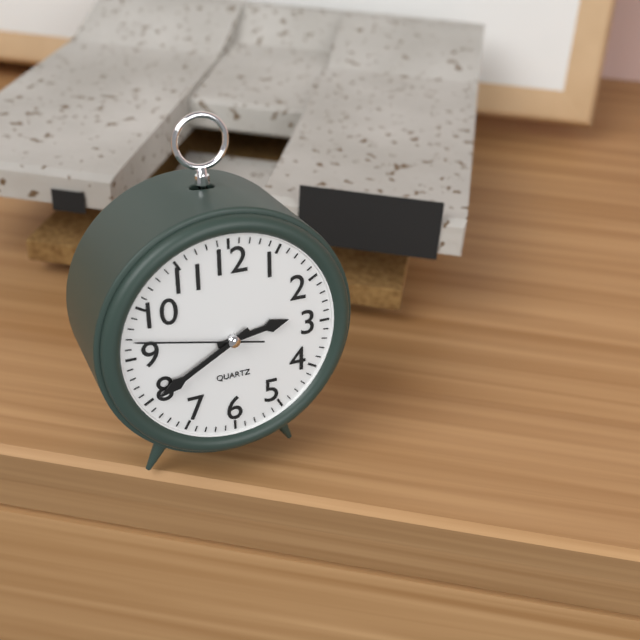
2:40:47
